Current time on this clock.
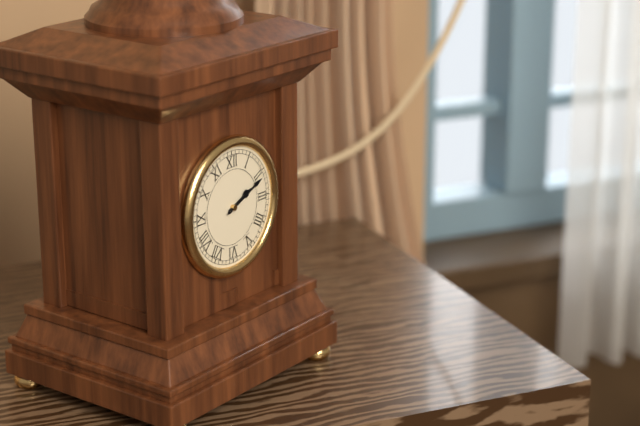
2:11
